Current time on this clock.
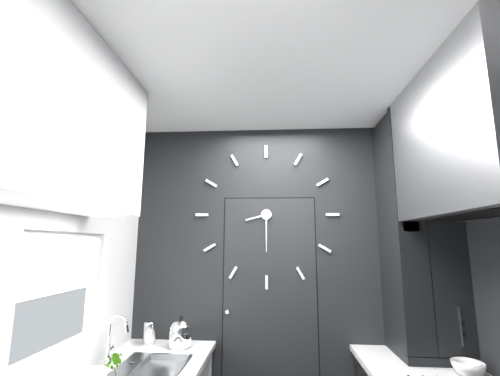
8:30
